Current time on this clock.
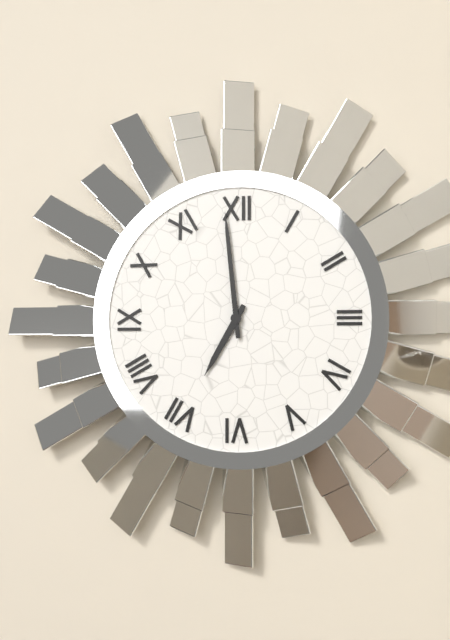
6:59
